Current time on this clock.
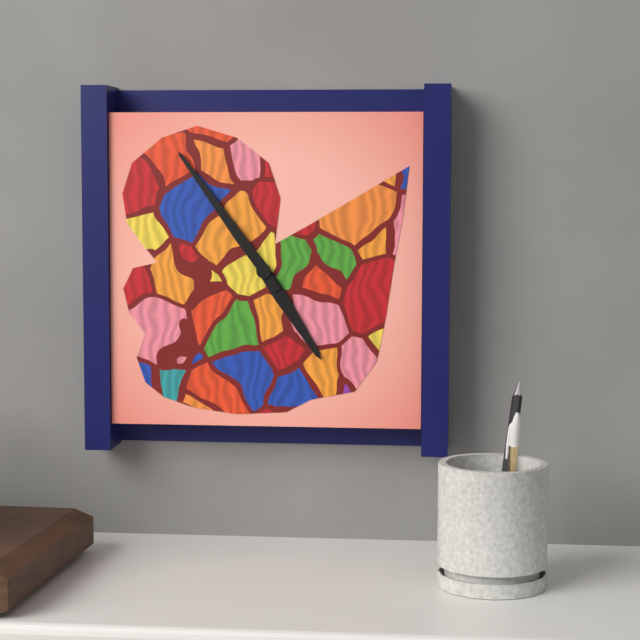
4:54
